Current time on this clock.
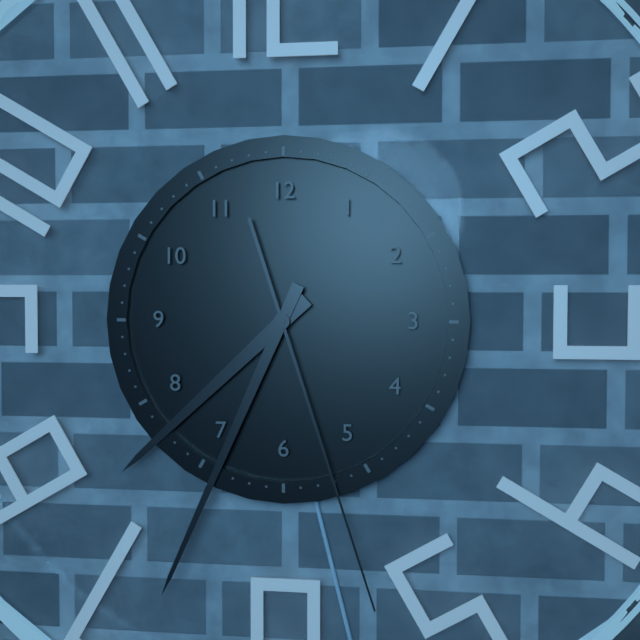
7:34:27
